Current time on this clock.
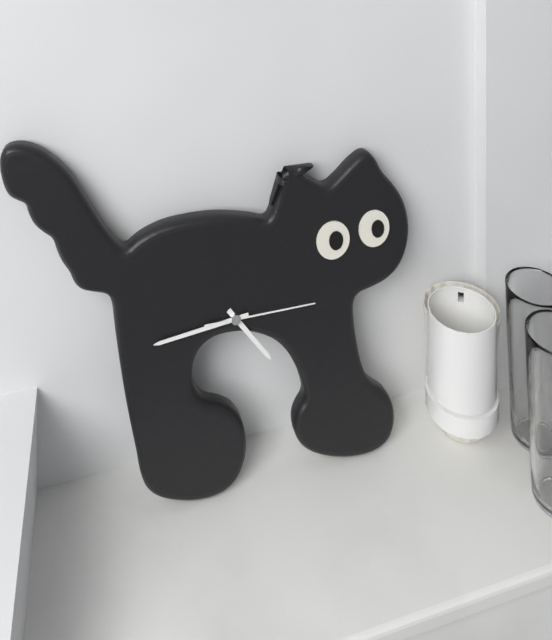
4:44:15
